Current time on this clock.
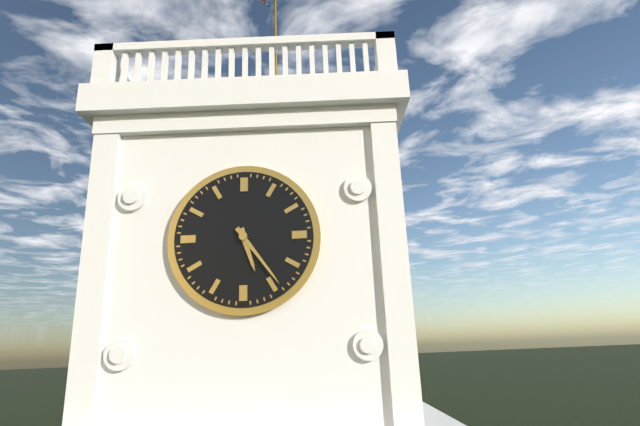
5:24
